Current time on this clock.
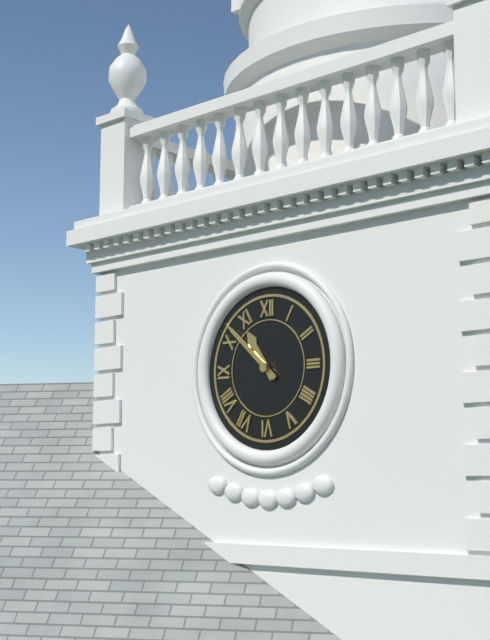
10:52
